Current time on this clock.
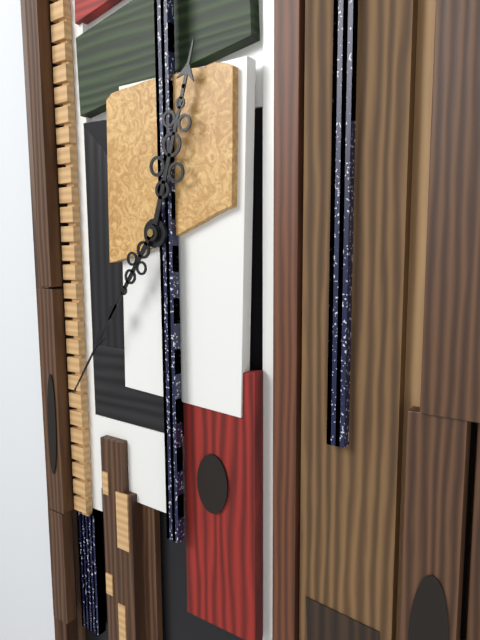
12:36
